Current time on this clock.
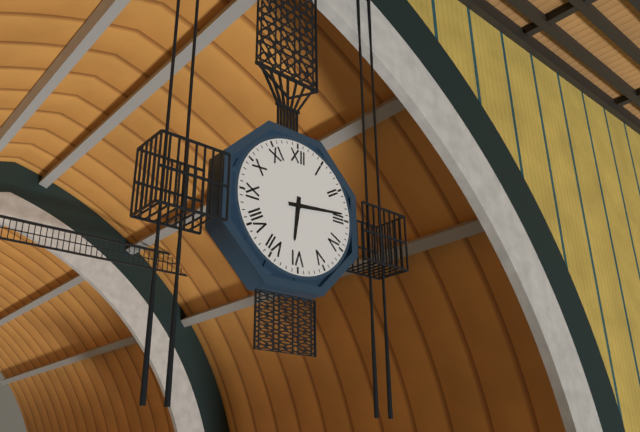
6:14
